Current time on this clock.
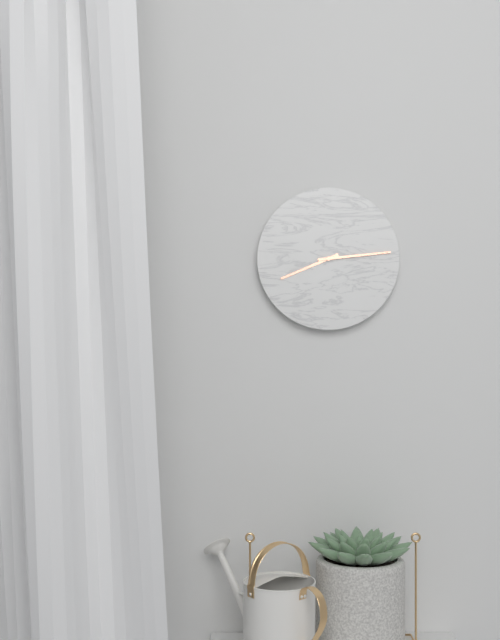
8:14
